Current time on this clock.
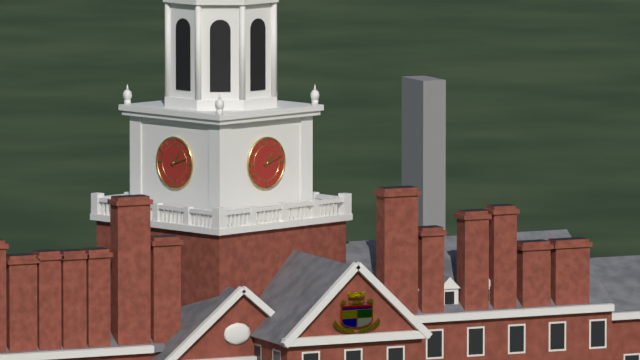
1:12
